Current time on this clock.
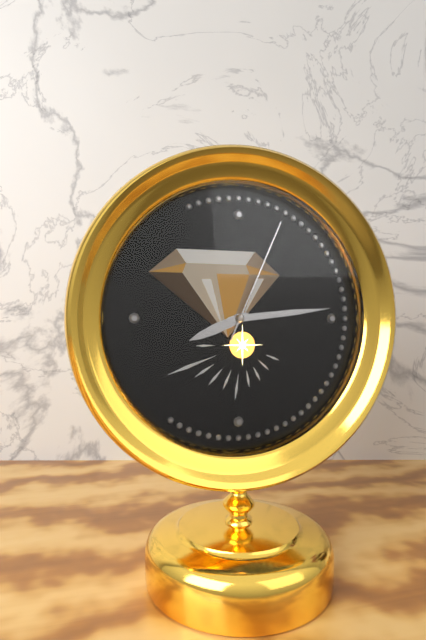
8:14:04
